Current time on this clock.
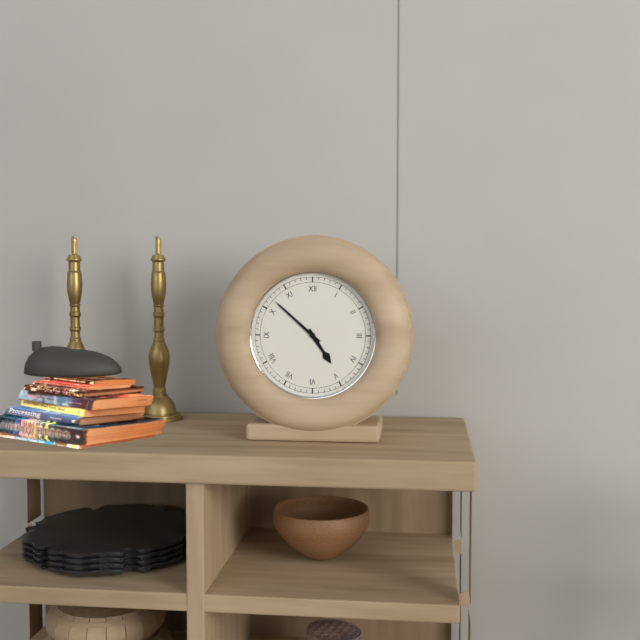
4:52
